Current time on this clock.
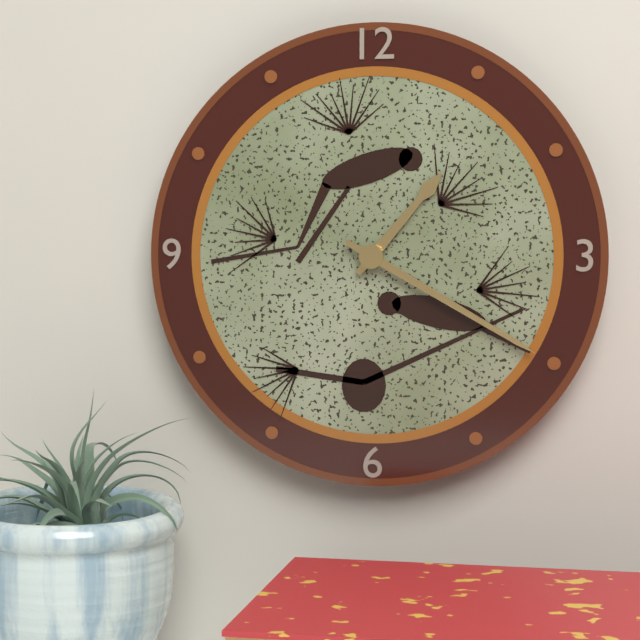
1:20
